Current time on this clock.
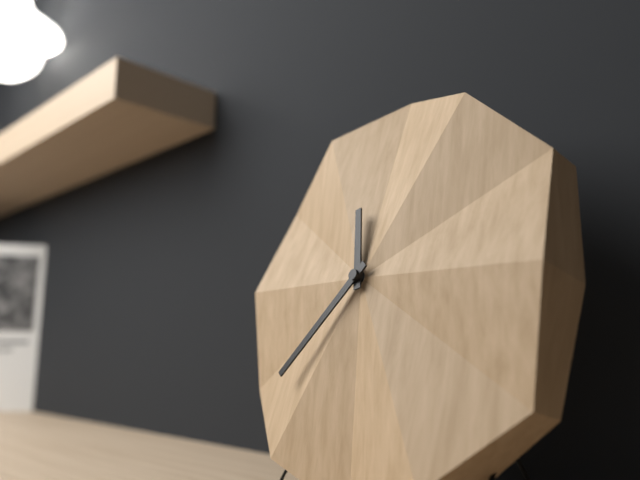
11:37
